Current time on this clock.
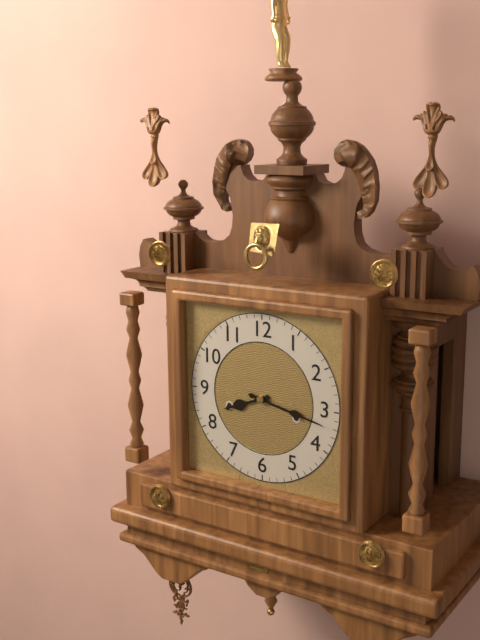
8:17
